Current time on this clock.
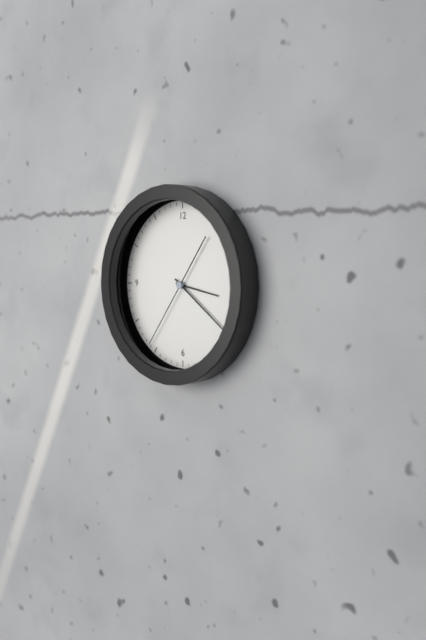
3:21:36
